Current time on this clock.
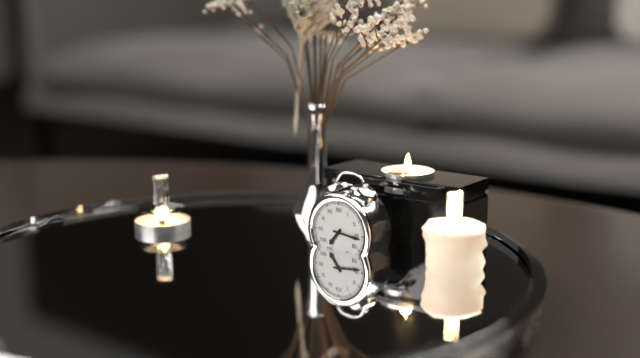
7:16
